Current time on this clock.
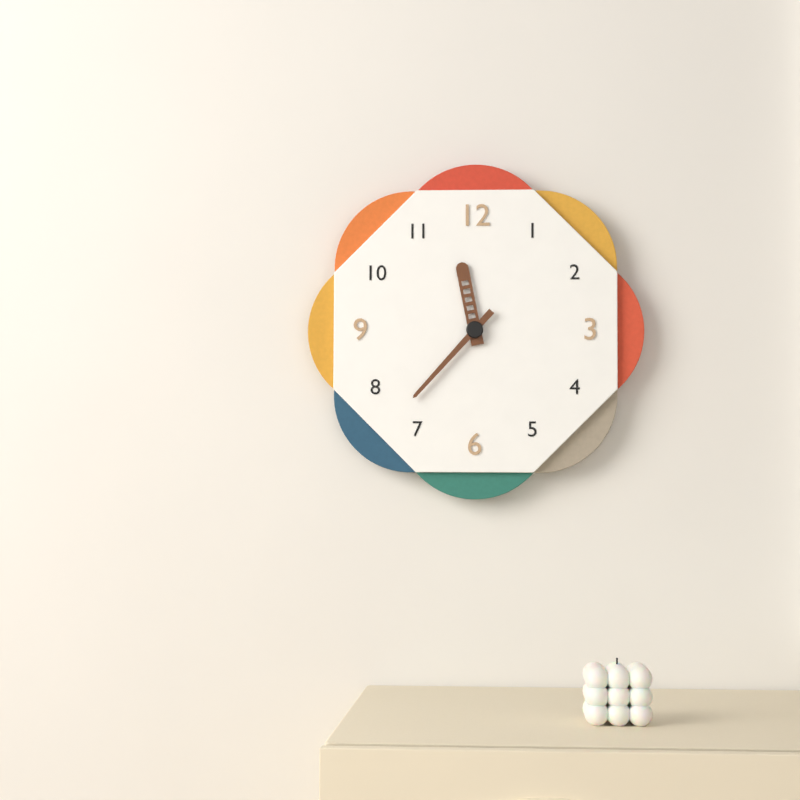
11:37
